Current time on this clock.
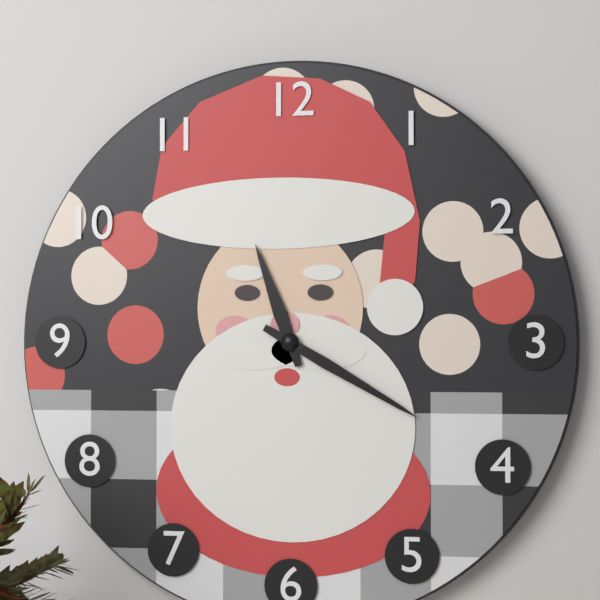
11:20
